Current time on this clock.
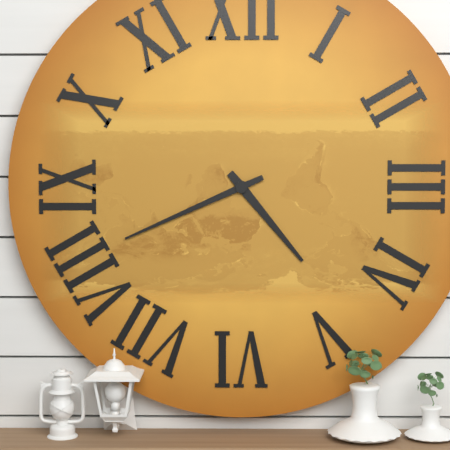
4:41
